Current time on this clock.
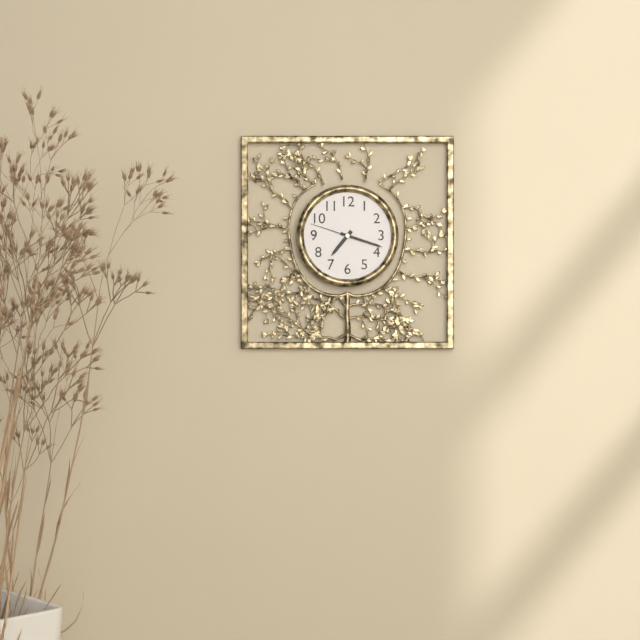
7:18
